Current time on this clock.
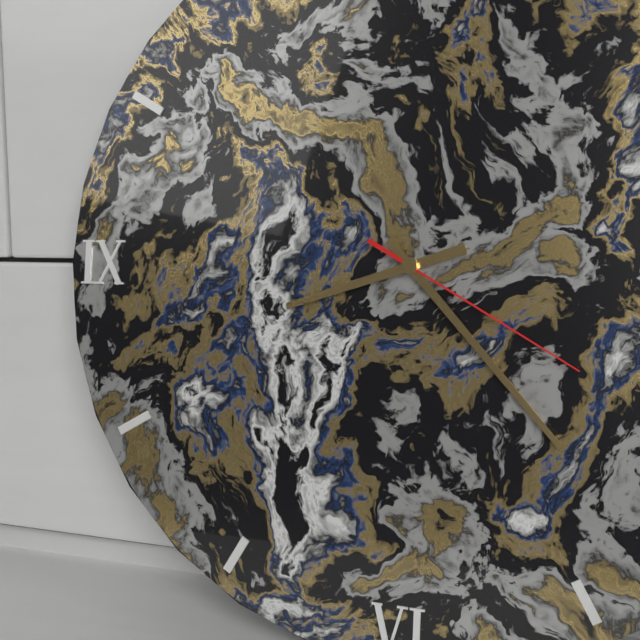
8:23:20
